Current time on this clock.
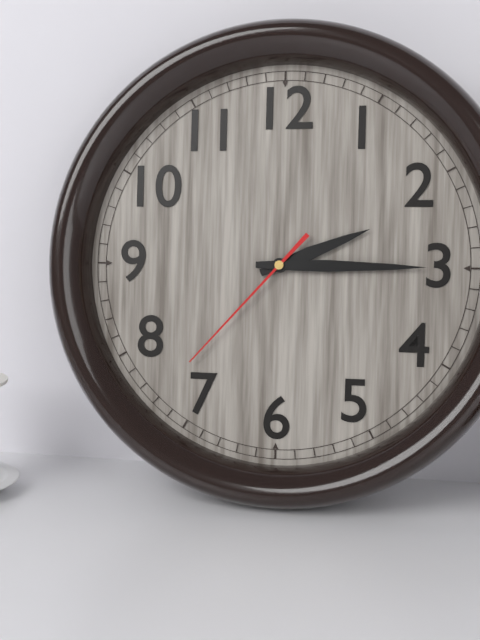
2:15:37
